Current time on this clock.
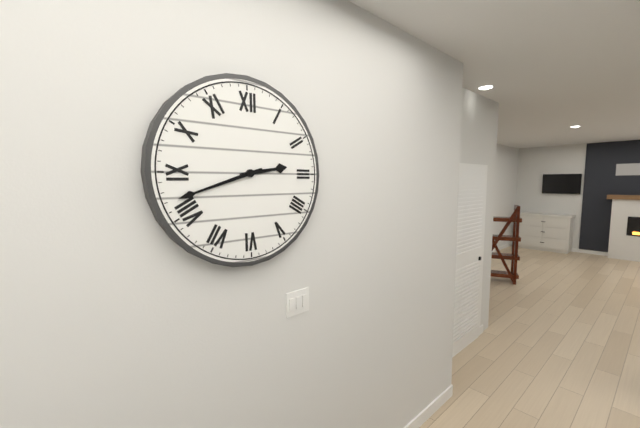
2:42
